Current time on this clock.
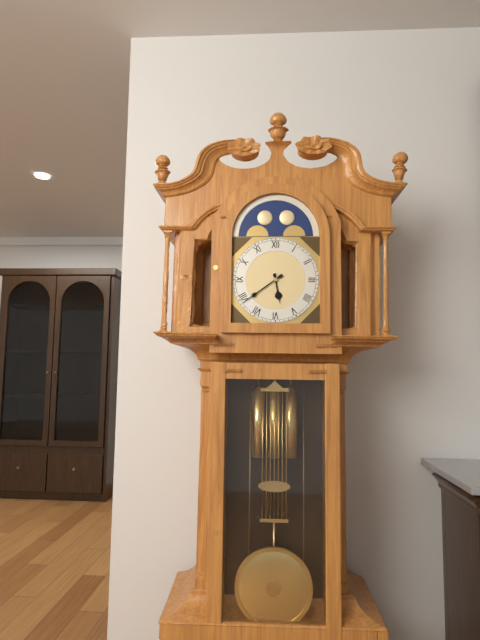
5:39
